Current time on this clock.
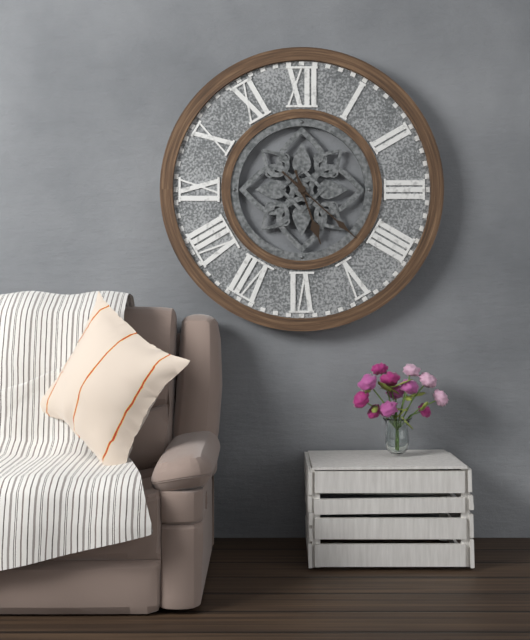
5:22
